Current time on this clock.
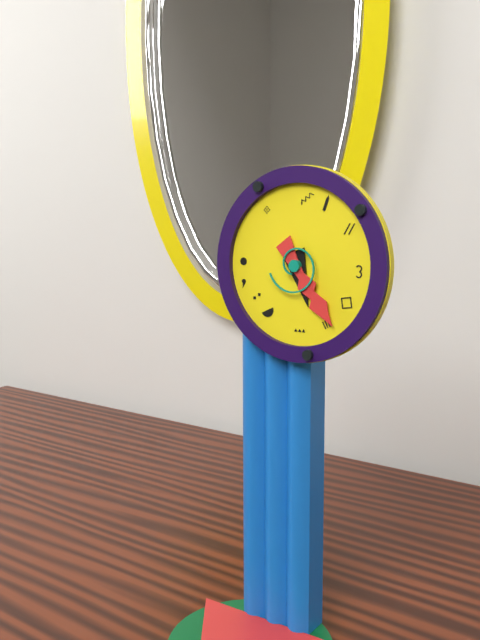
5:24
